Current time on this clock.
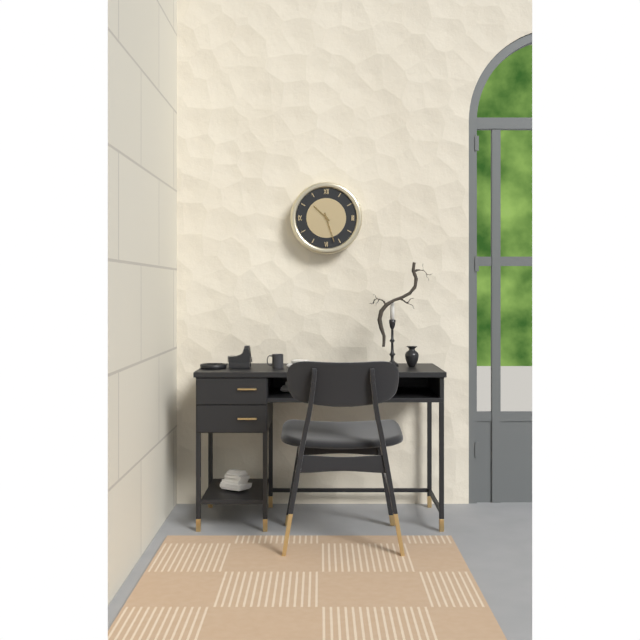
10:27
